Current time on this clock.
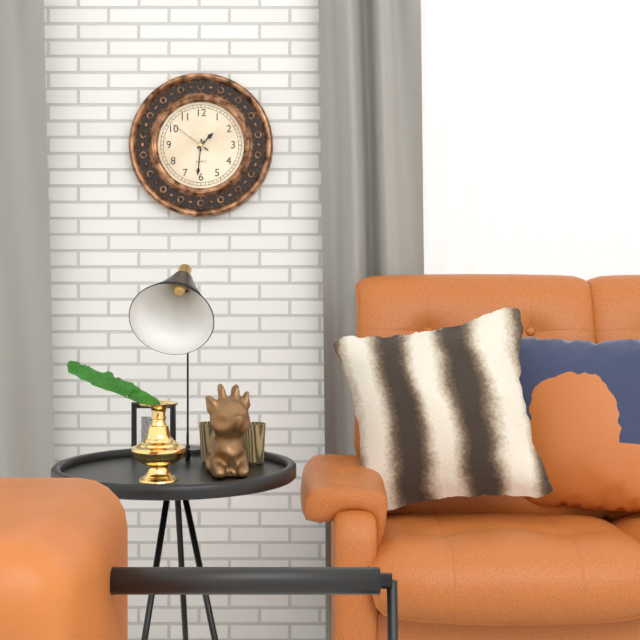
1:31
